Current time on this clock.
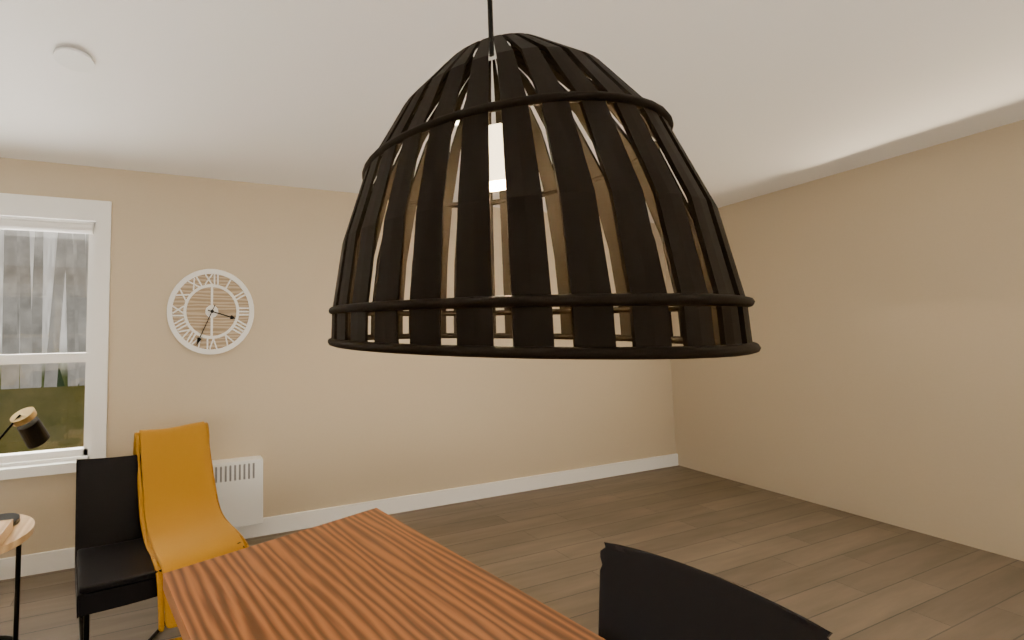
3:34
